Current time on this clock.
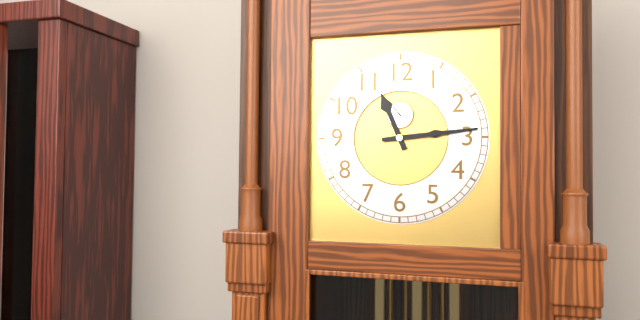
11:14
